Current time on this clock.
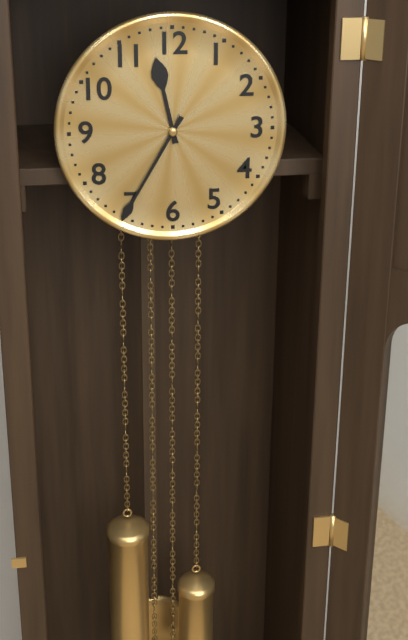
11:35
